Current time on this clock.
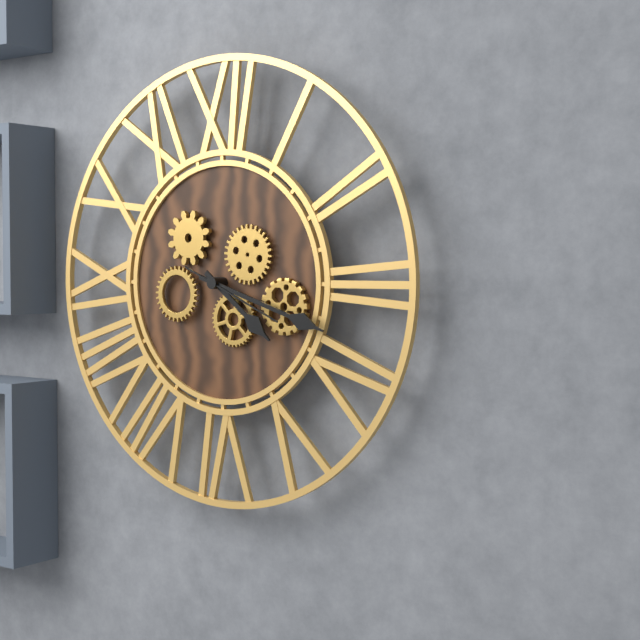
4:18:19
